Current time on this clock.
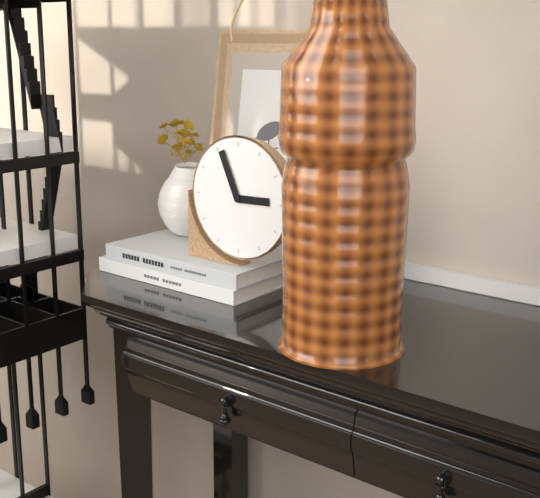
2:56
